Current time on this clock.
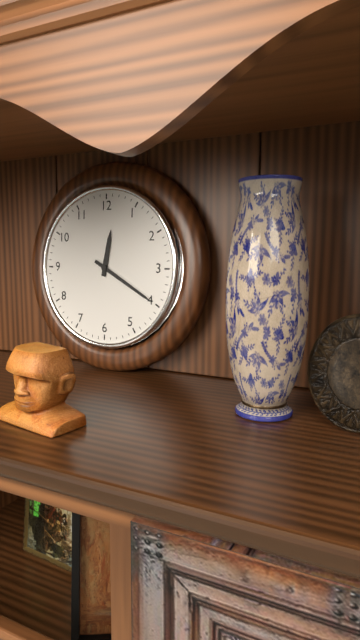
12:20
